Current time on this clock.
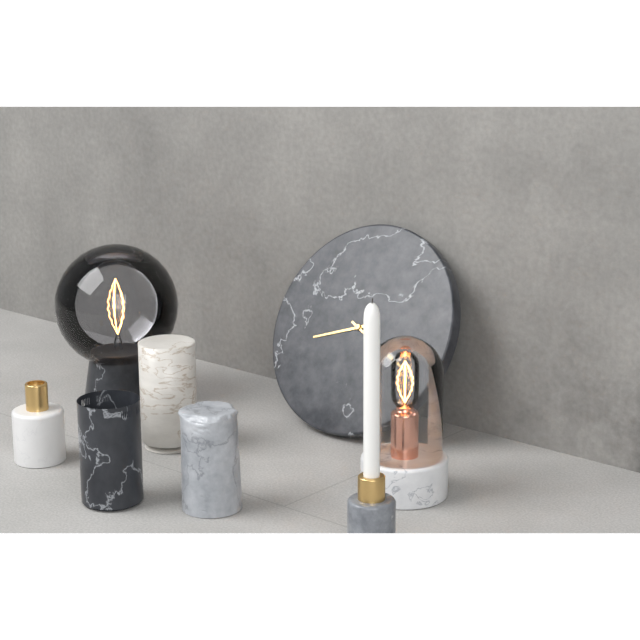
8:19
